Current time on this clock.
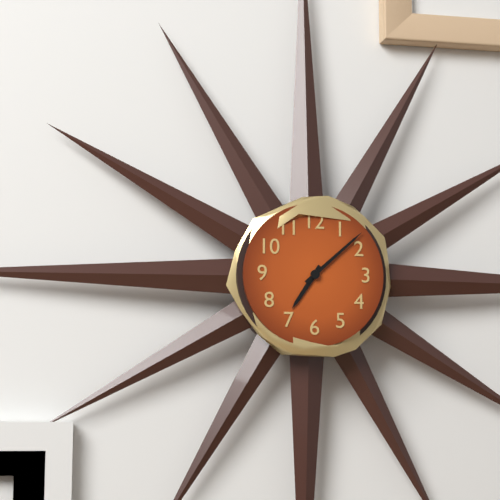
7:08
